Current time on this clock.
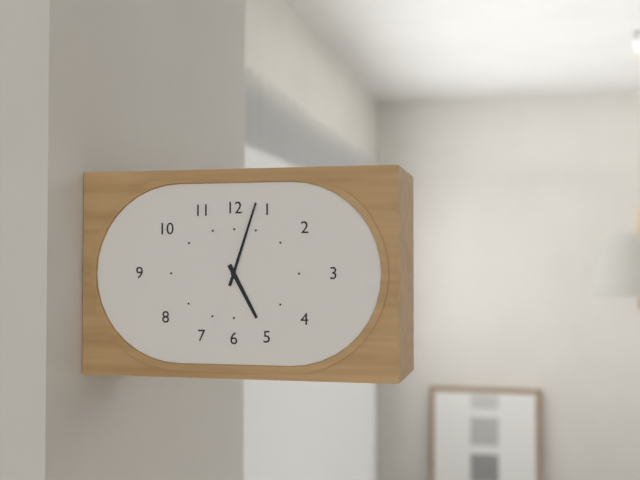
5:03
